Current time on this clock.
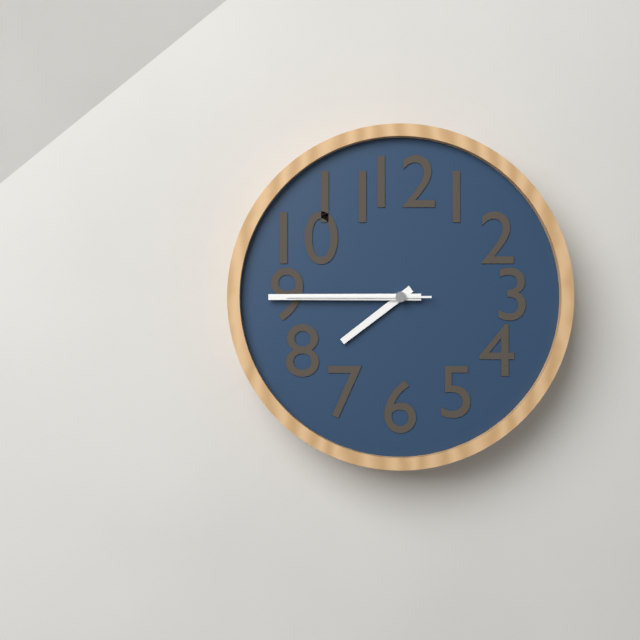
7:45:45
